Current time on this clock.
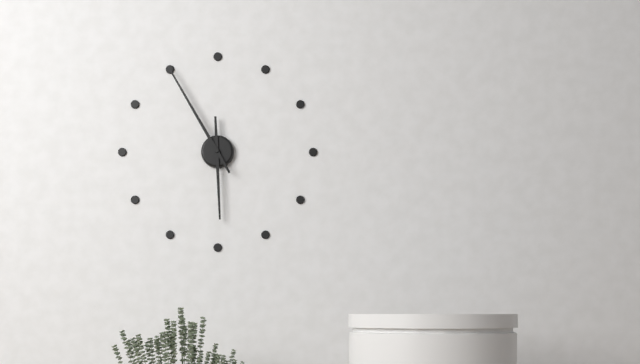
5:55
